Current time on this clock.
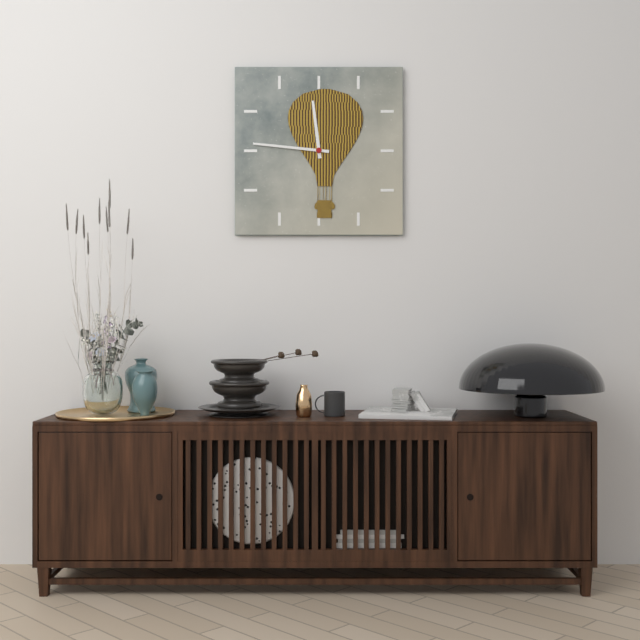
11:46
